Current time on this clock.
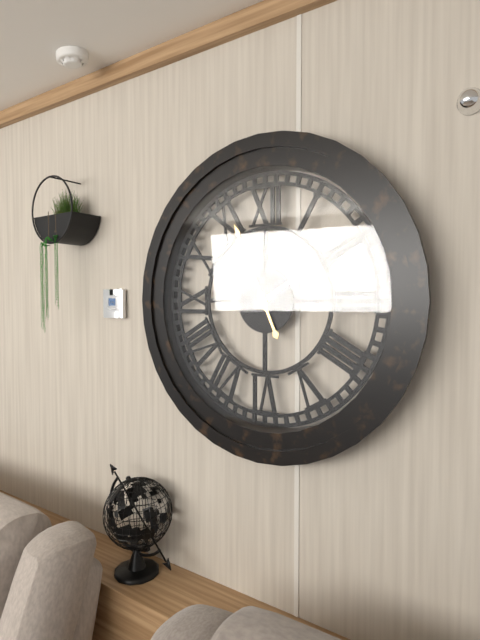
1:56
